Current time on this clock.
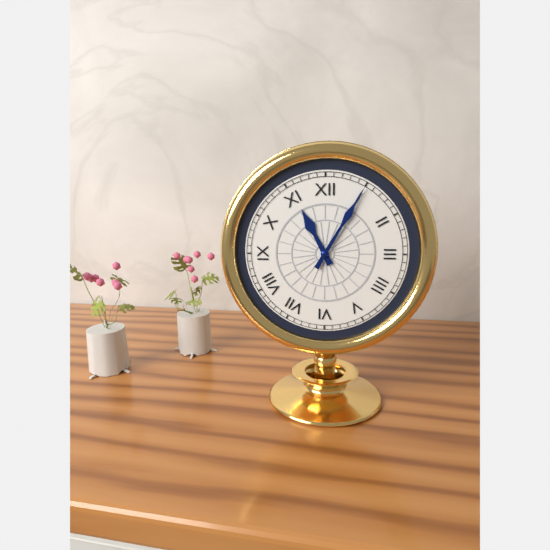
11:05
